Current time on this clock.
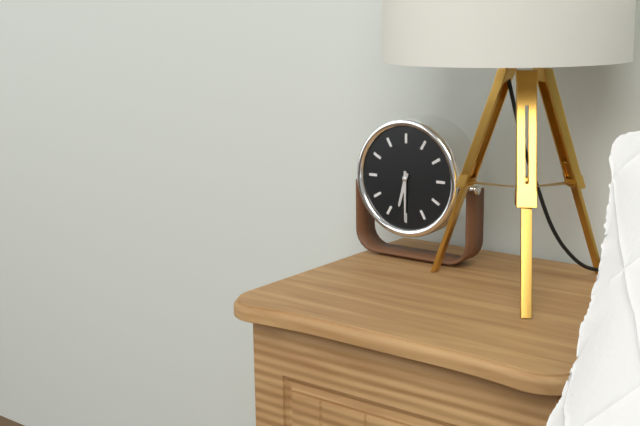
6:30
